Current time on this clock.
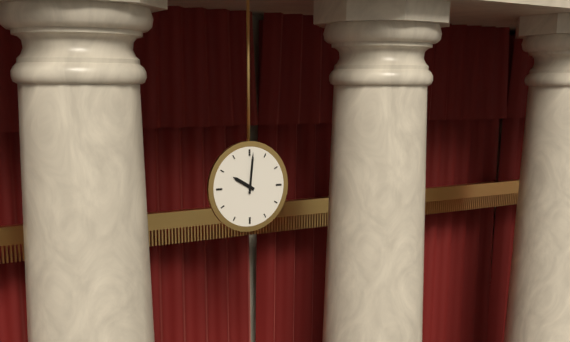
10:01
